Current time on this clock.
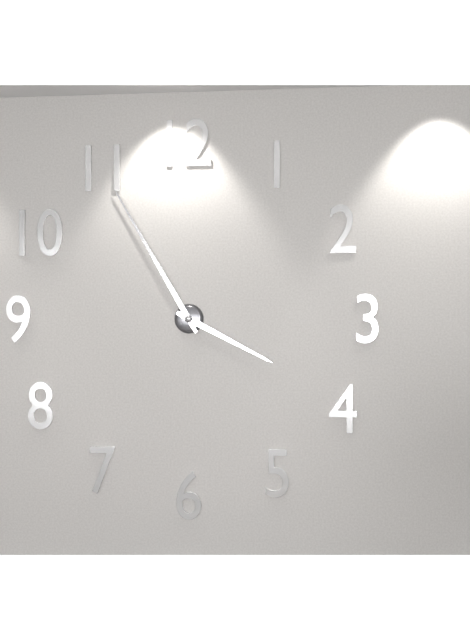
3:55
